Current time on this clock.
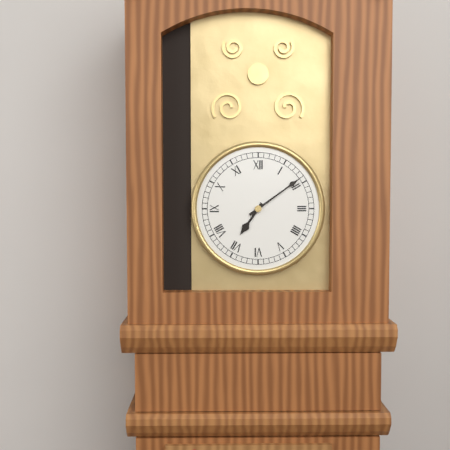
7:09
